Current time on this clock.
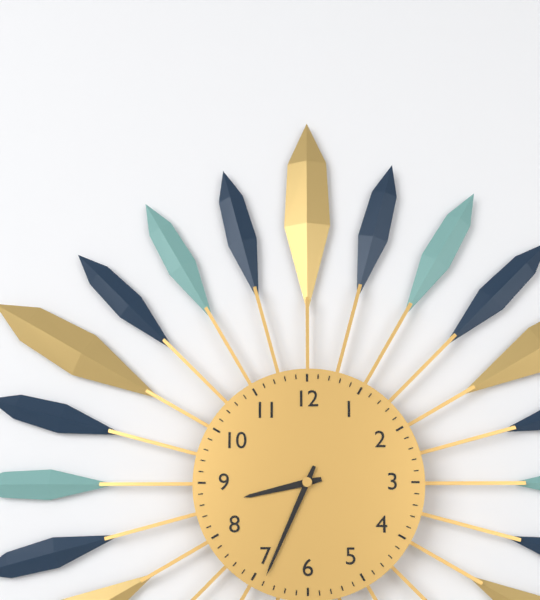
8:34
